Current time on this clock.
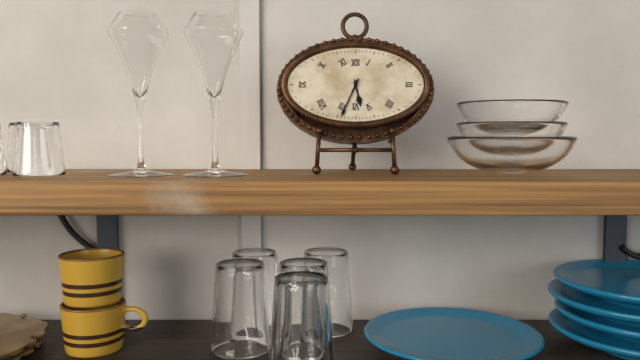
5:34
